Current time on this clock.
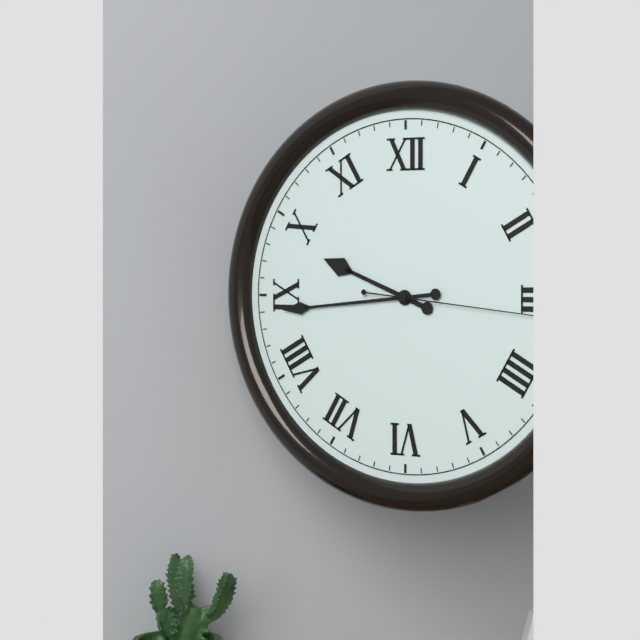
9:44:16
